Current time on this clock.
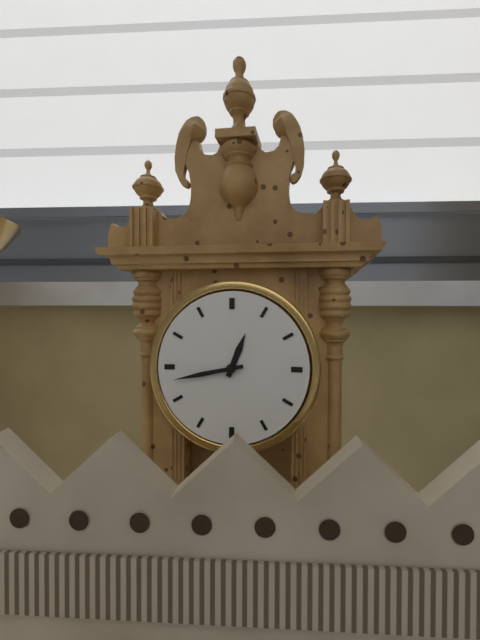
12:43
